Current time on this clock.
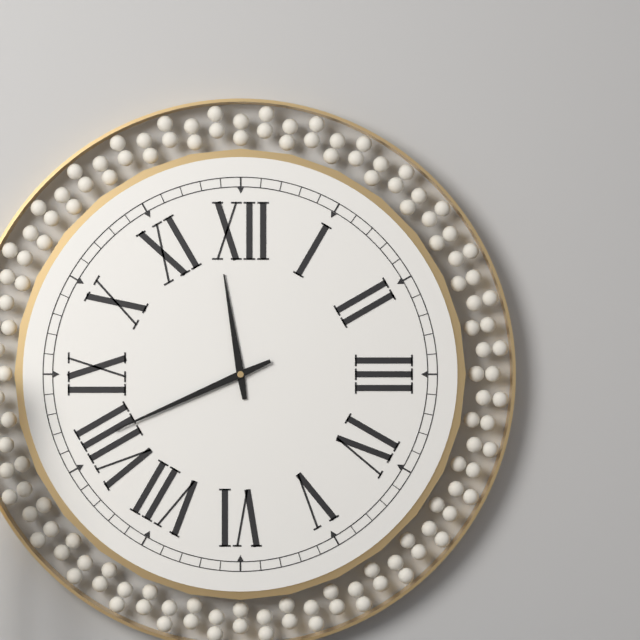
11:41
